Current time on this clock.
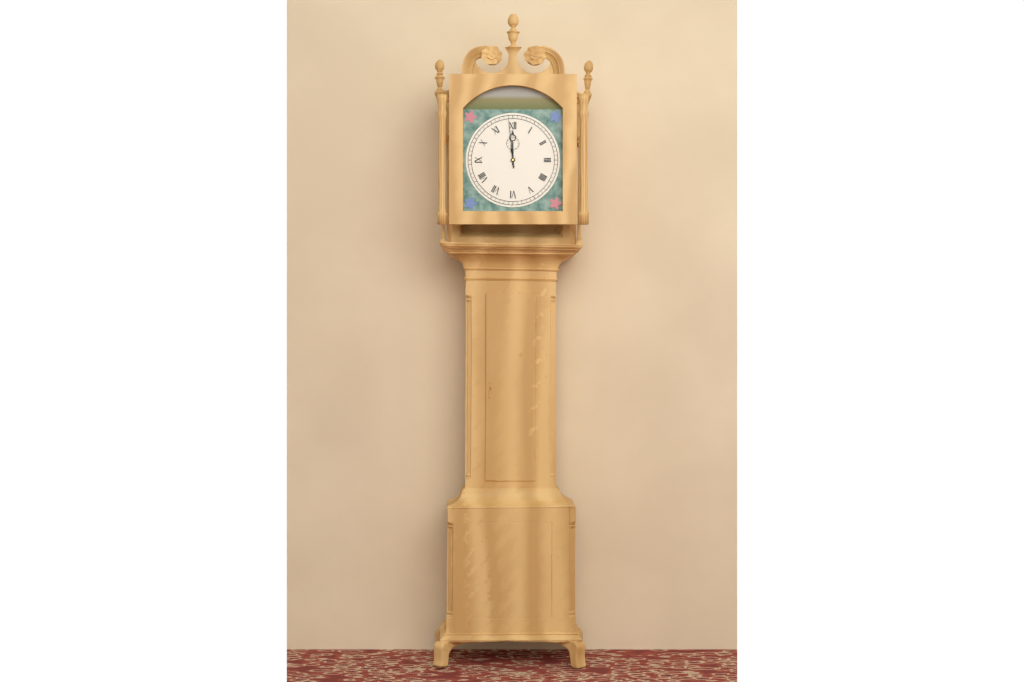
11:59
